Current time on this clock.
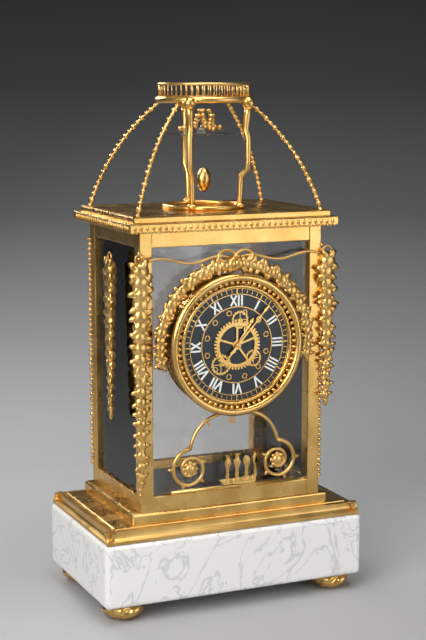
1:07
